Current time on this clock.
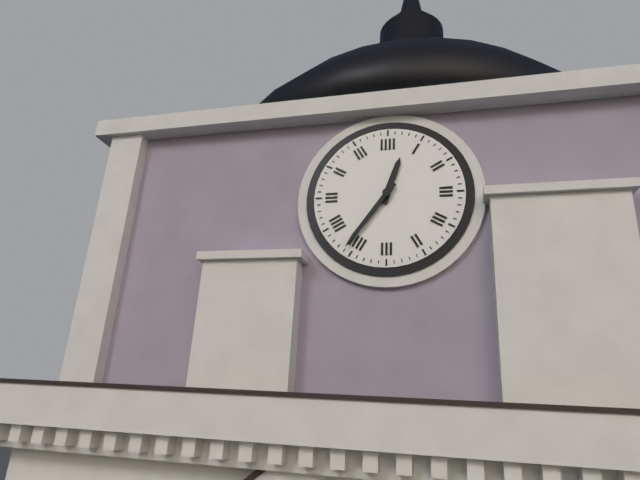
12:36
